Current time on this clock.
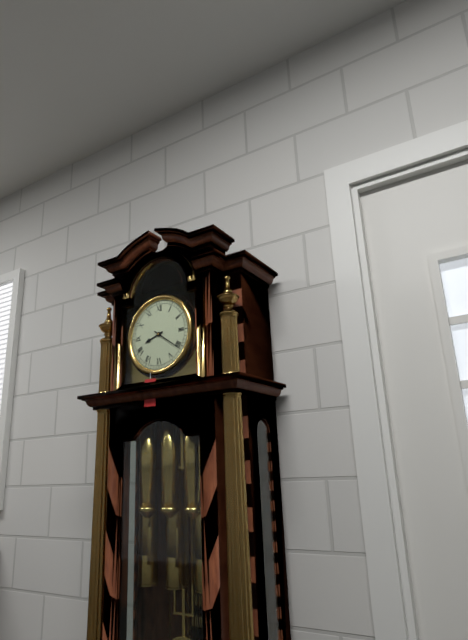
8:21
